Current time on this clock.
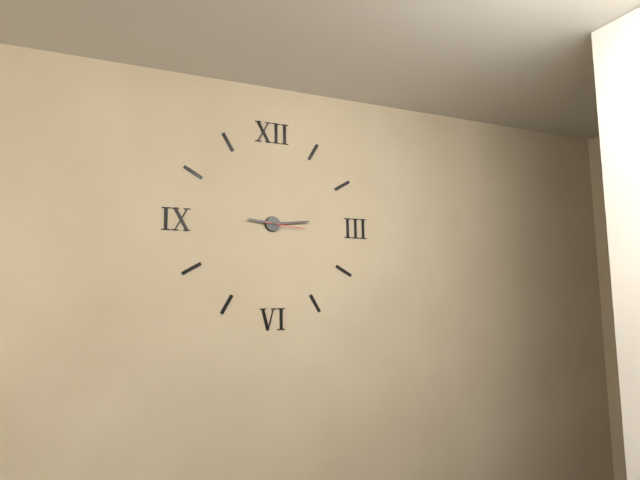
9:14
